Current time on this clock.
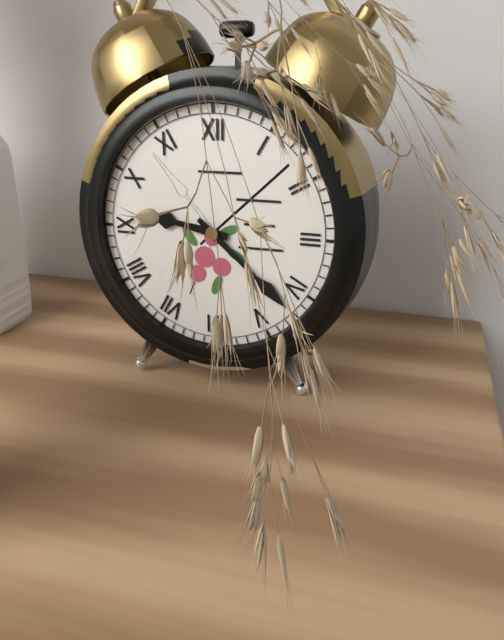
9:22
